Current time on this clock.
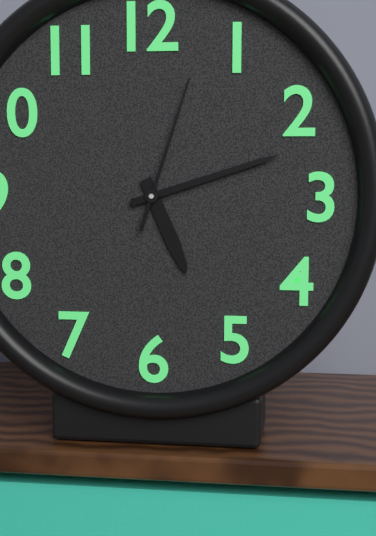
5:12:03
